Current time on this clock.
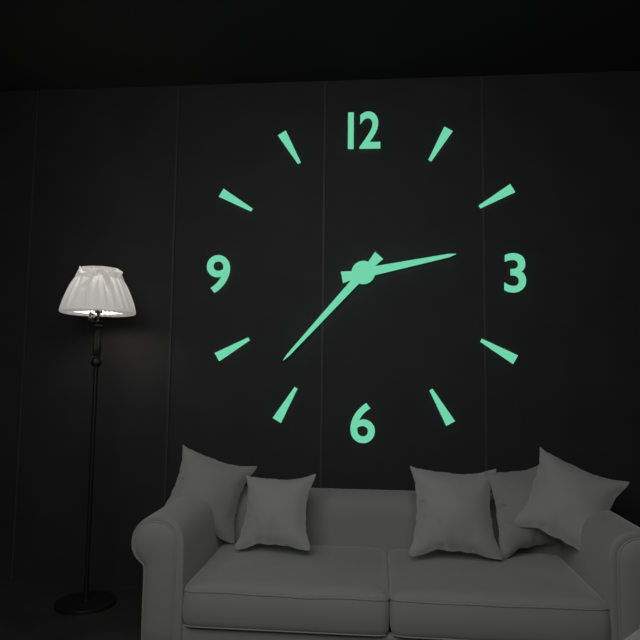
2:37
